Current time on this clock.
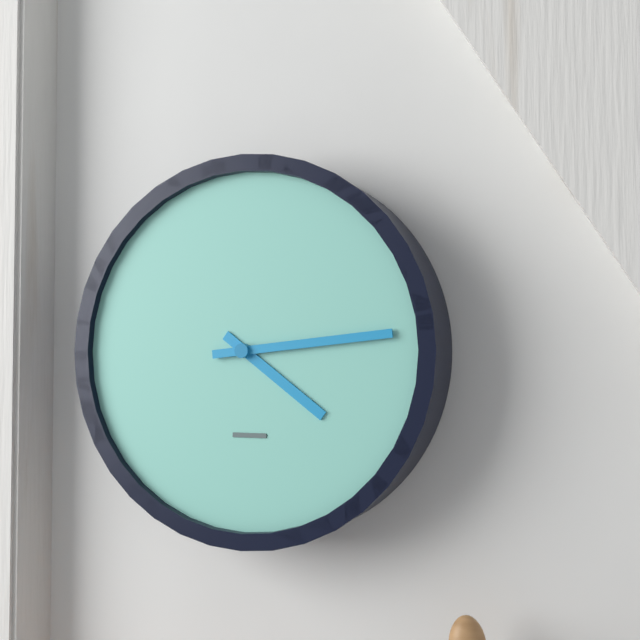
4:14
